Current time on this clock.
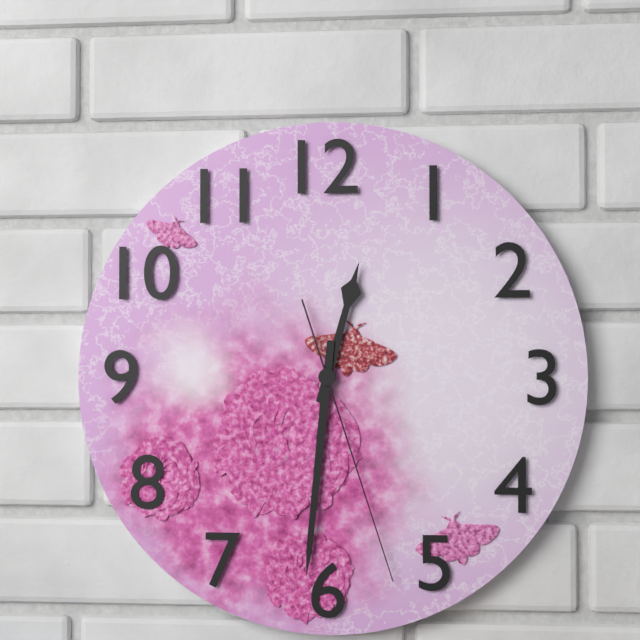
12:31:27
